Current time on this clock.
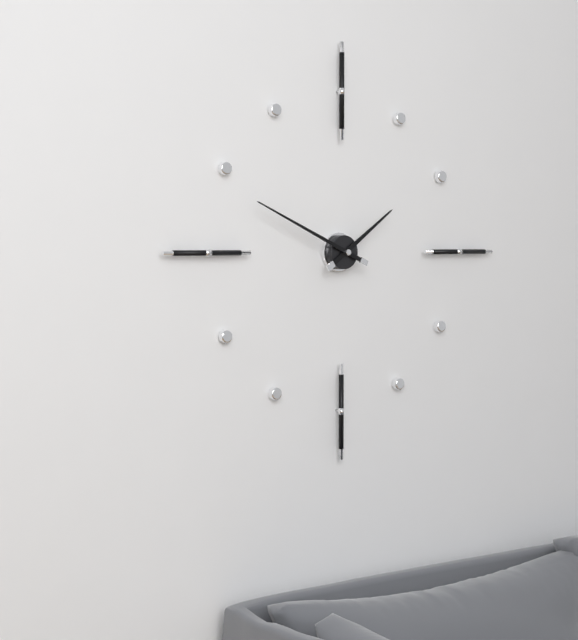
1:49
